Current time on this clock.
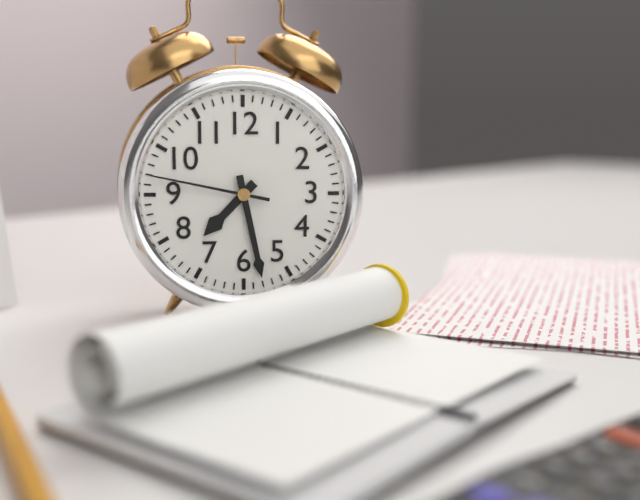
7:28:47
